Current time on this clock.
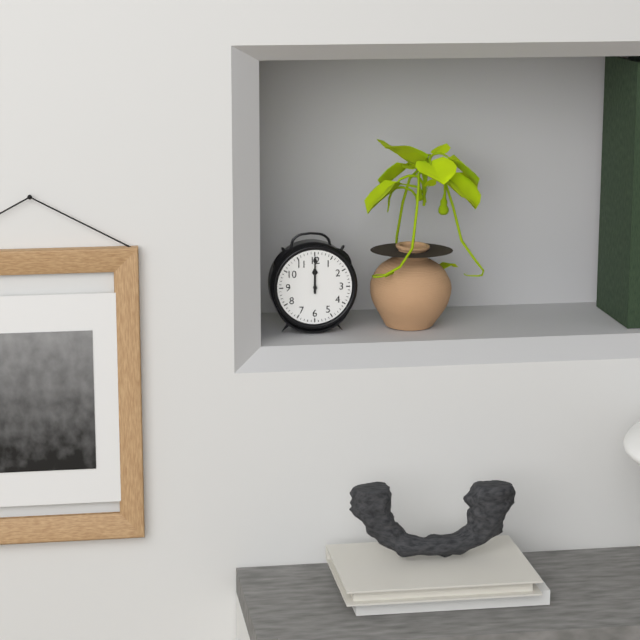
12:00
